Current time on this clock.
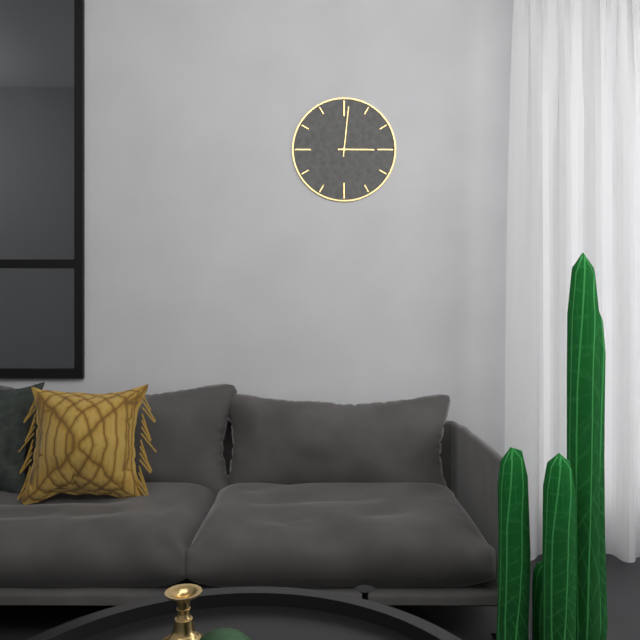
3:01
